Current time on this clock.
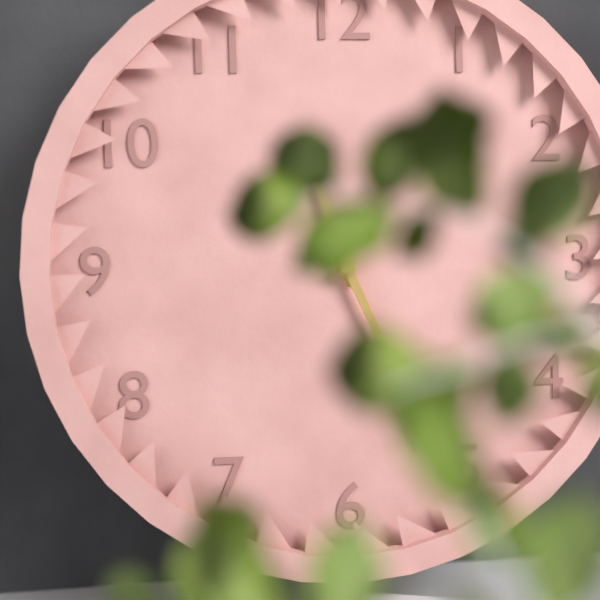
11:26
